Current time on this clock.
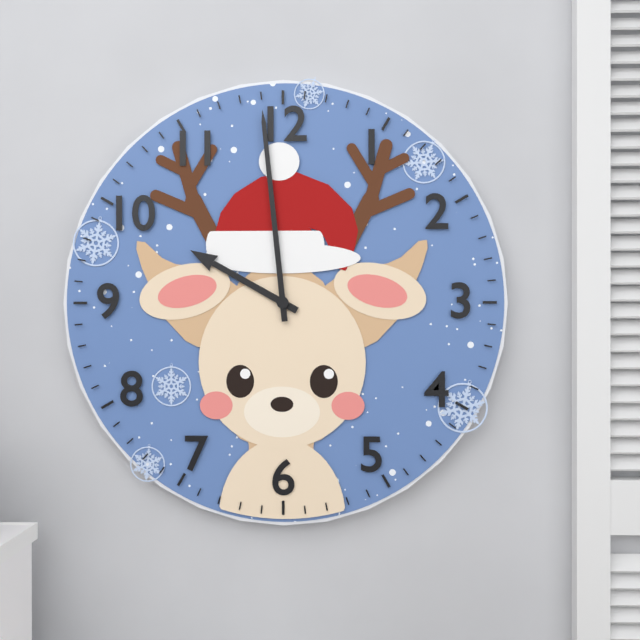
9:59
